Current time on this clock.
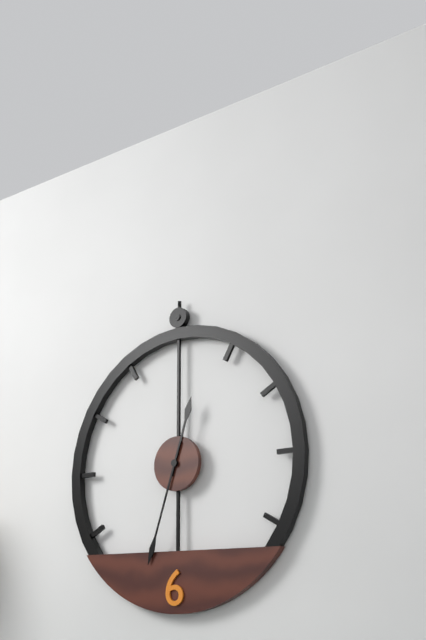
12:33
